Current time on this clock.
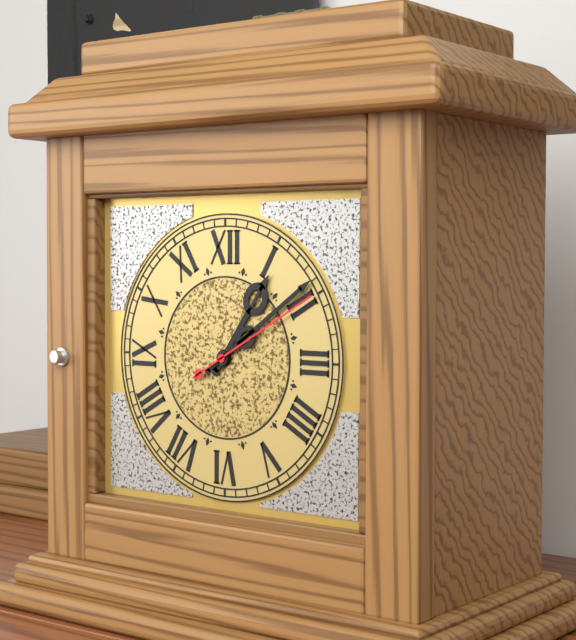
1:09:10
